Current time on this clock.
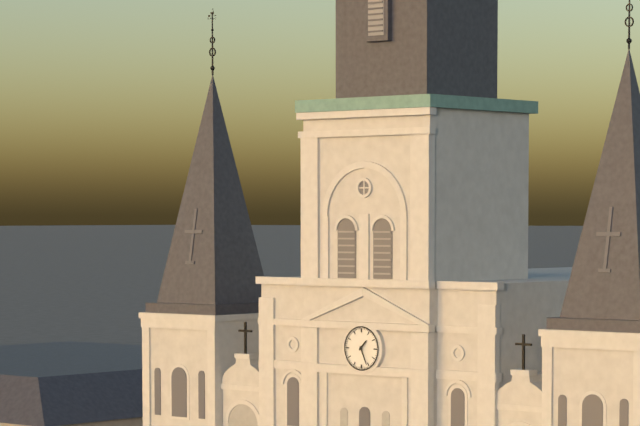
1:26
